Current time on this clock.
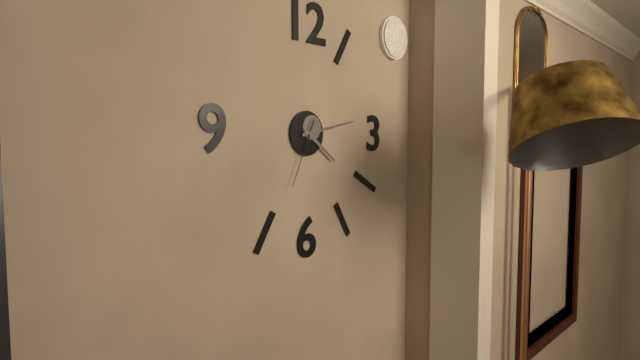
4:13:34
